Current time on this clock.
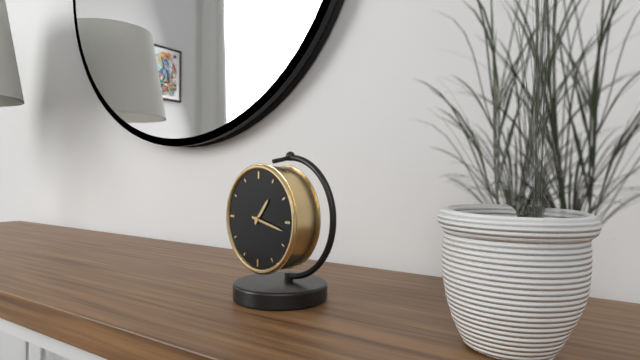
1:17
